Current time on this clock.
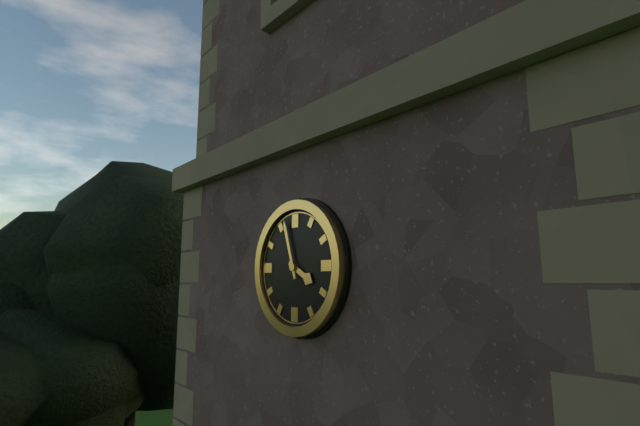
3:57
